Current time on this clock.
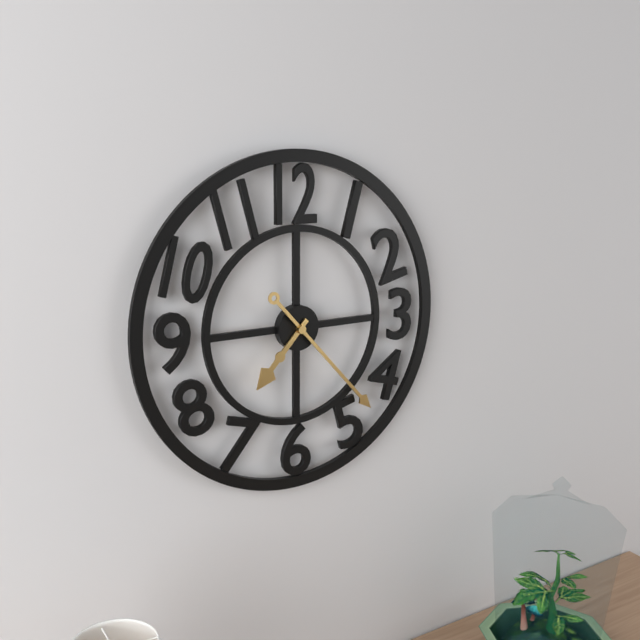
7:23
